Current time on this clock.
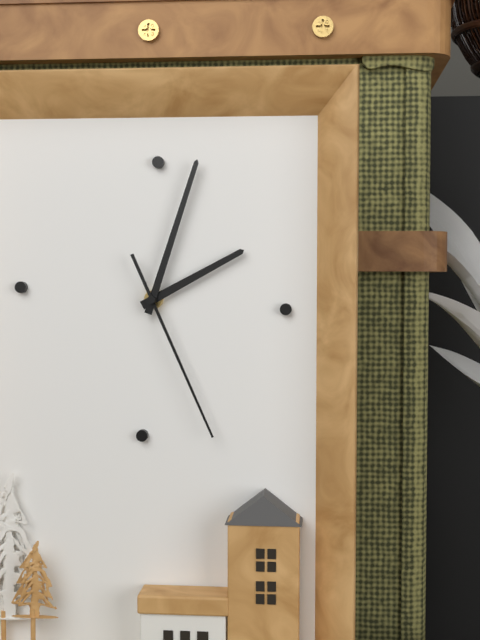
2:03:26
